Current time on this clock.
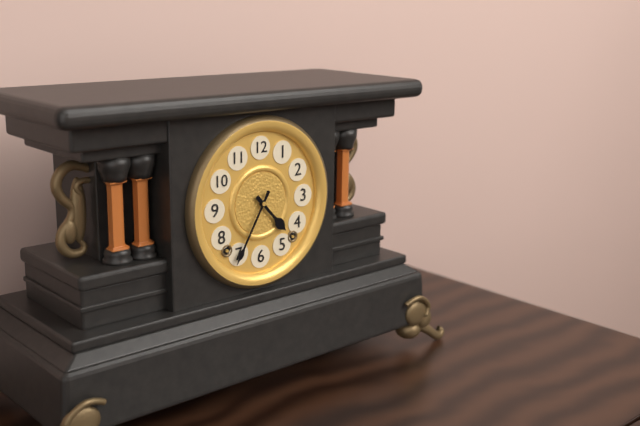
4:35
